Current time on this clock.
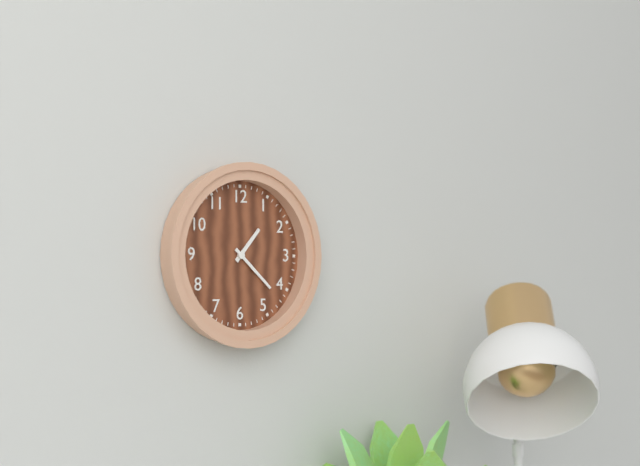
1:22
